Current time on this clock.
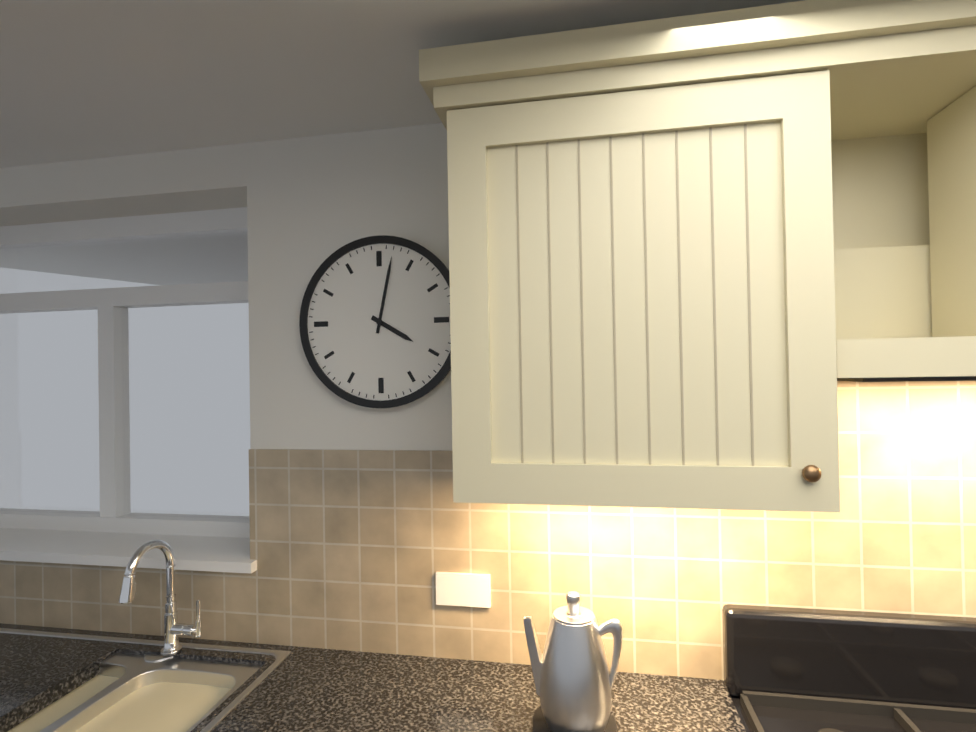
4:02
